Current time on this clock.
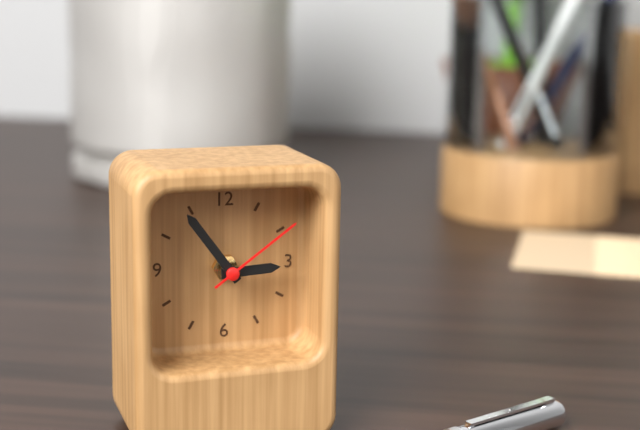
2:54:09
